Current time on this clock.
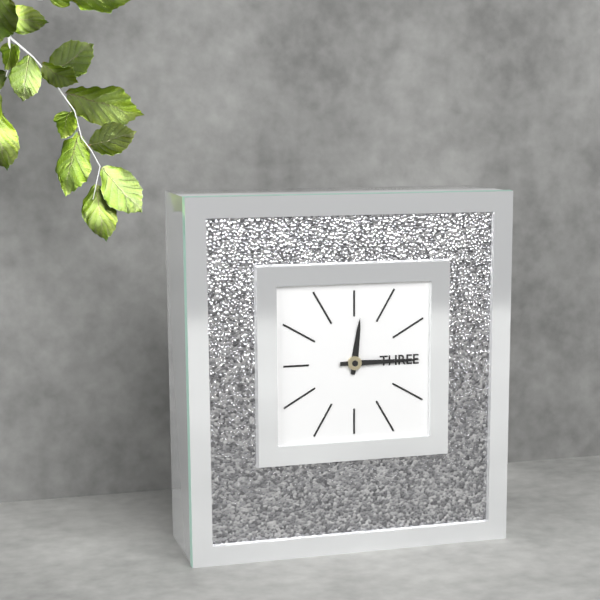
12:15
